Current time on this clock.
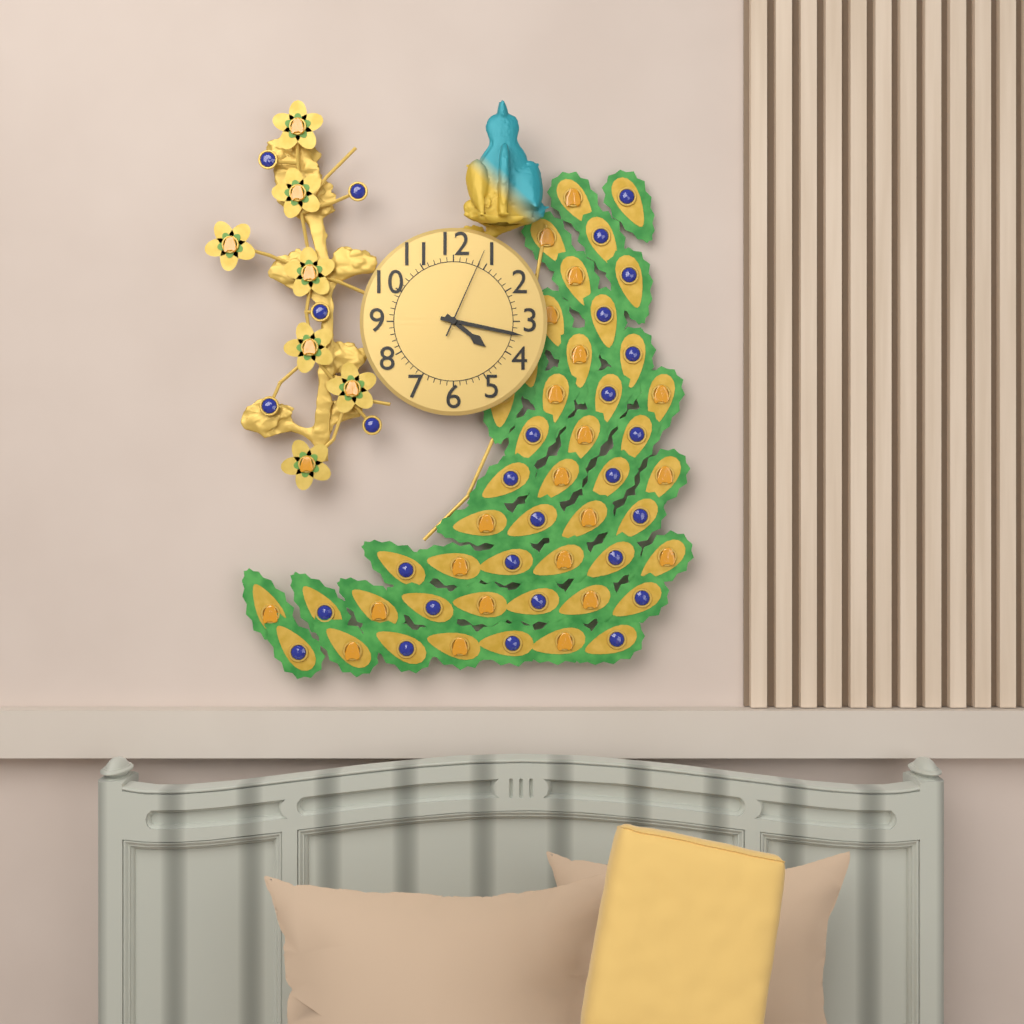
4:17:04
